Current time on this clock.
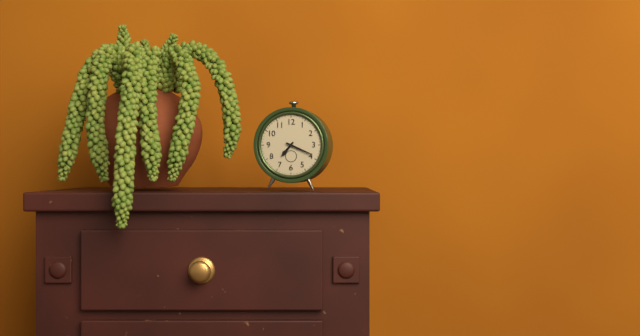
7:19
